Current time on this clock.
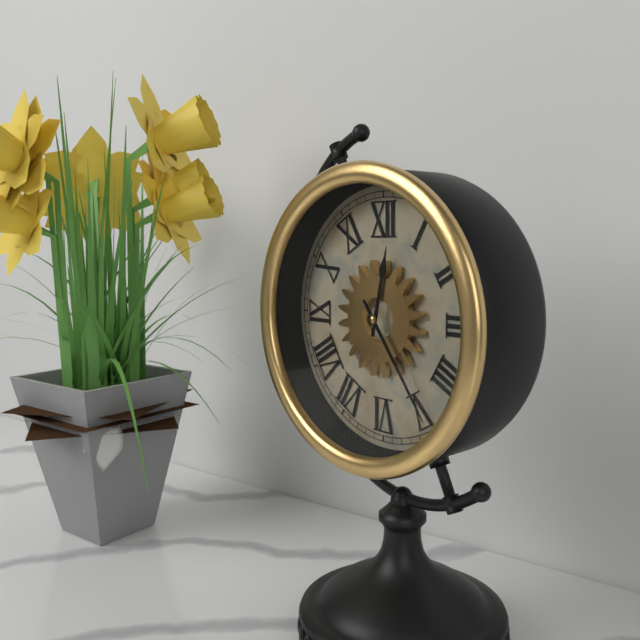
12:24
